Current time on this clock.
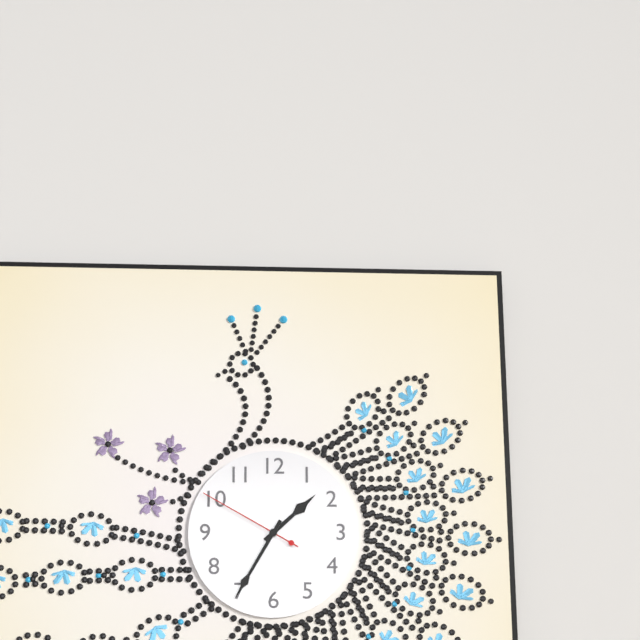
1:35:50
